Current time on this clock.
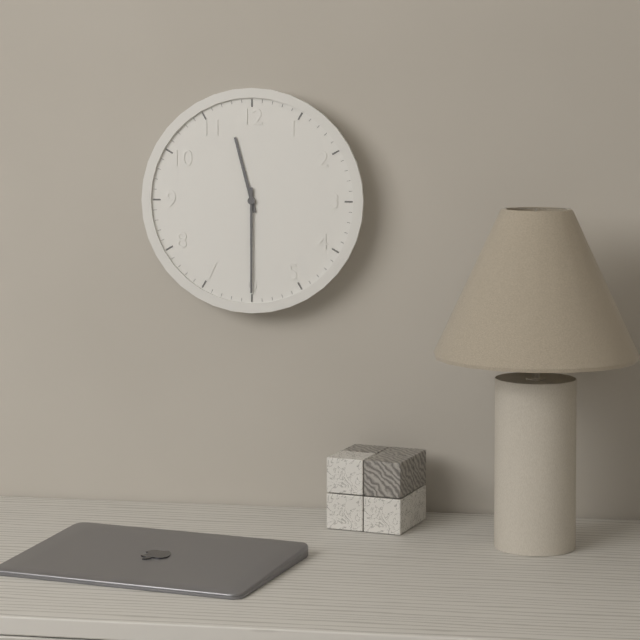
11:30
